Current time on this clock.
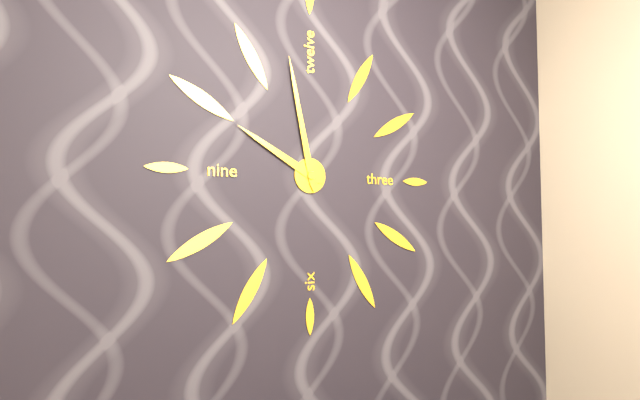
9:58
